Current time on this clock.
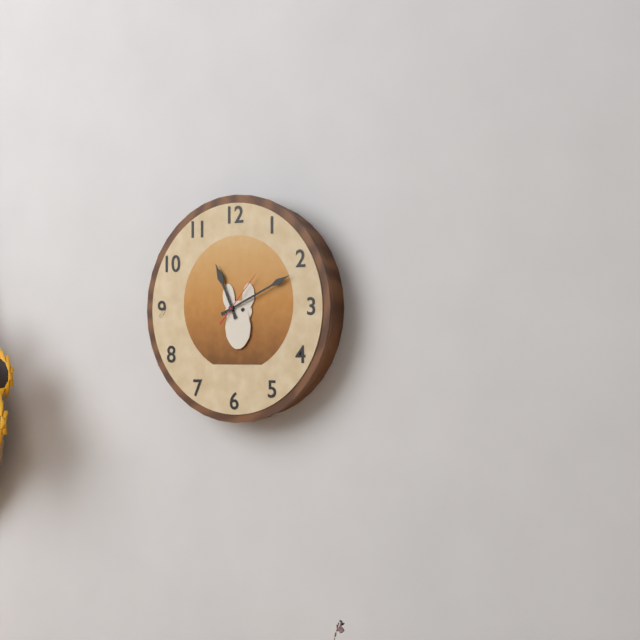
11:11:07
